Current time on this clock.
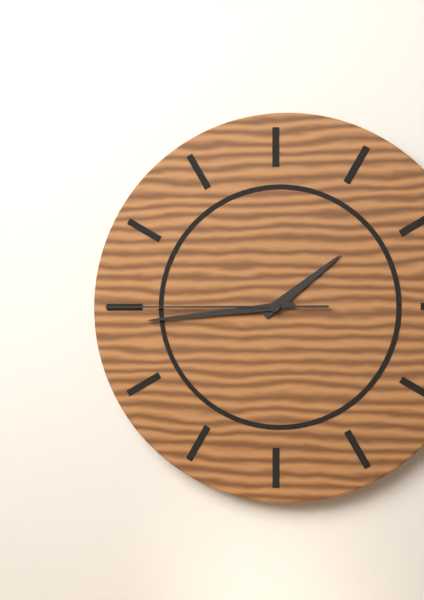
1:44:45
